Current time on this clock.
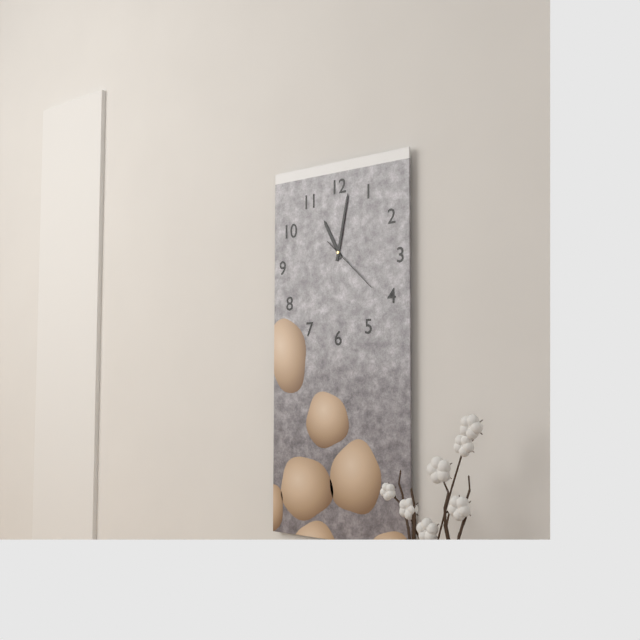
11:02:22
